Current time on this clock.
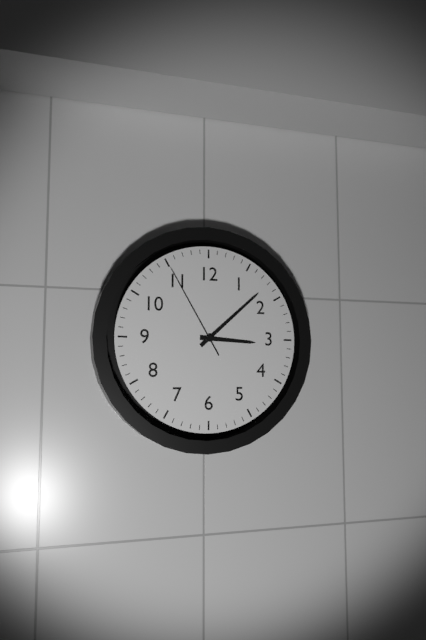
3:08:55
